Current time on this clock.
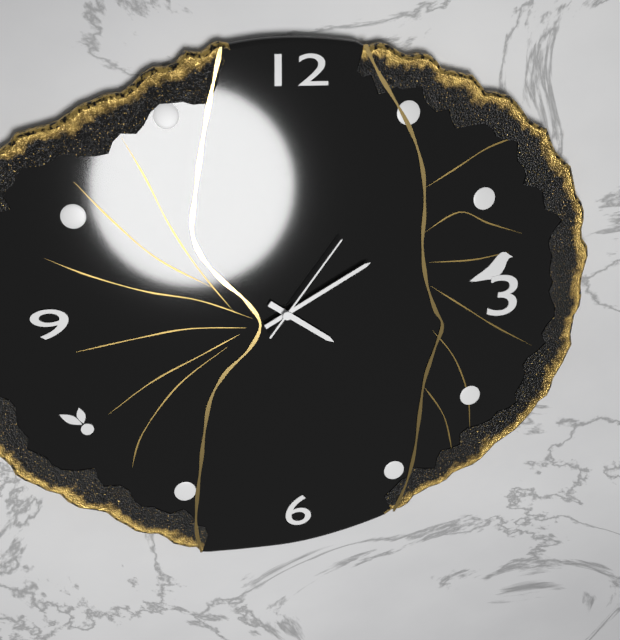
4:10:06
